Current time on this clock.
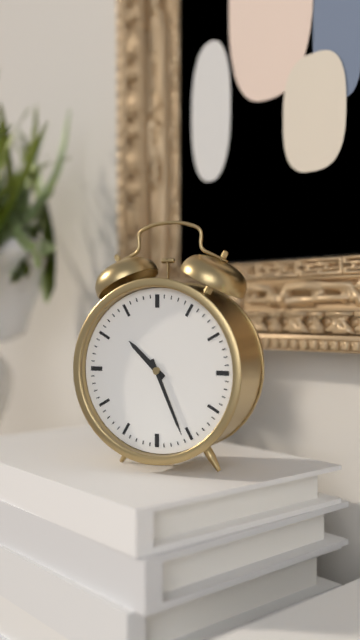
10:26
